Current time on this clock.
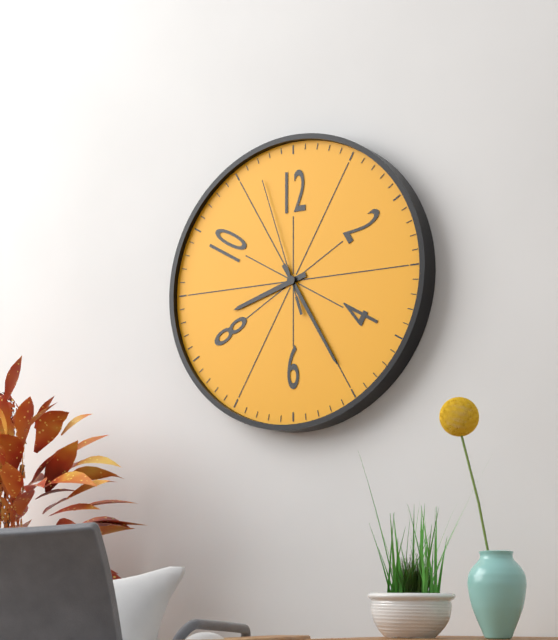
8:25:57
